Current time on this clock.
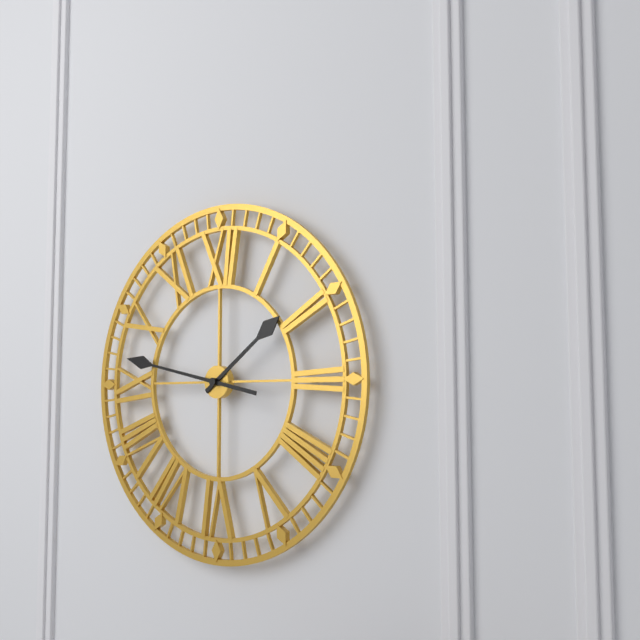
1:47
